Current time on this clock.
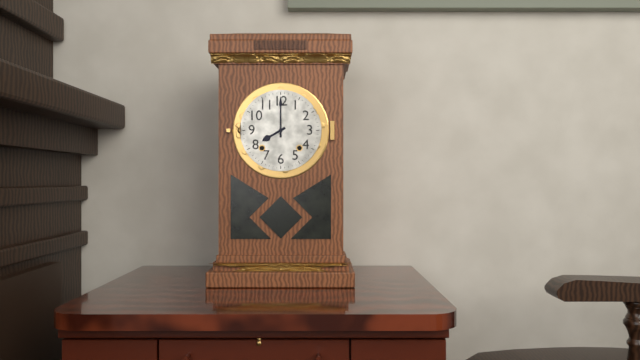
8:00
